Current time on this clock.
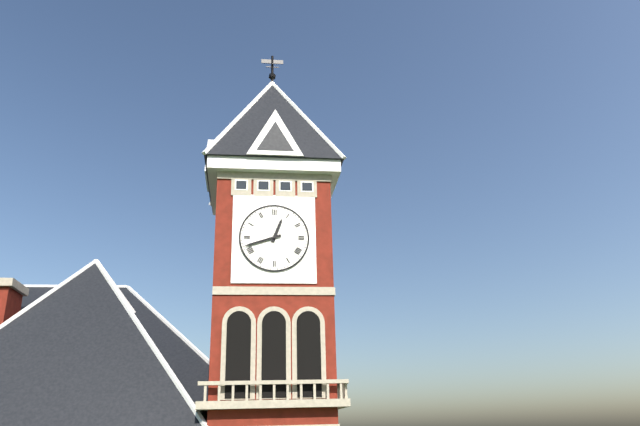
12:42
